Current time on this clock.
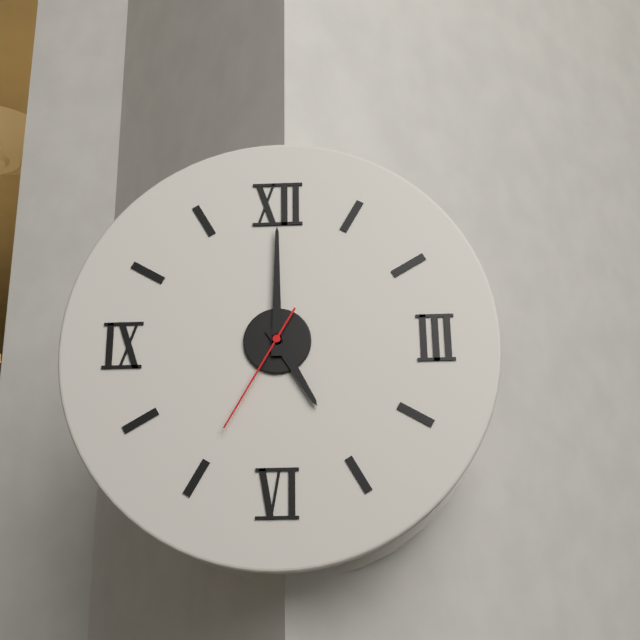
5:00:35
